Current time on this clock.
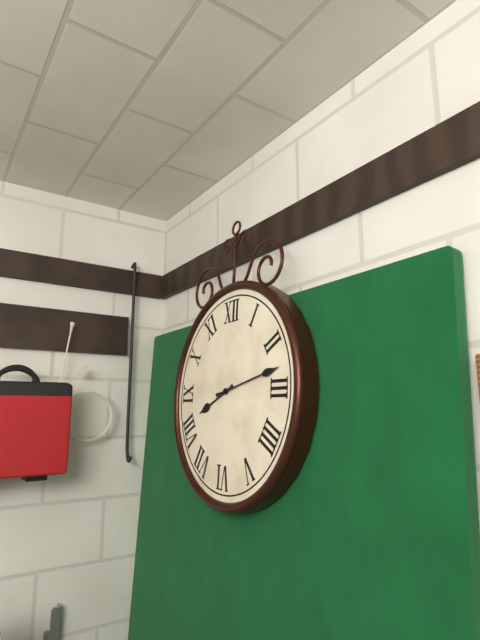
8:13
